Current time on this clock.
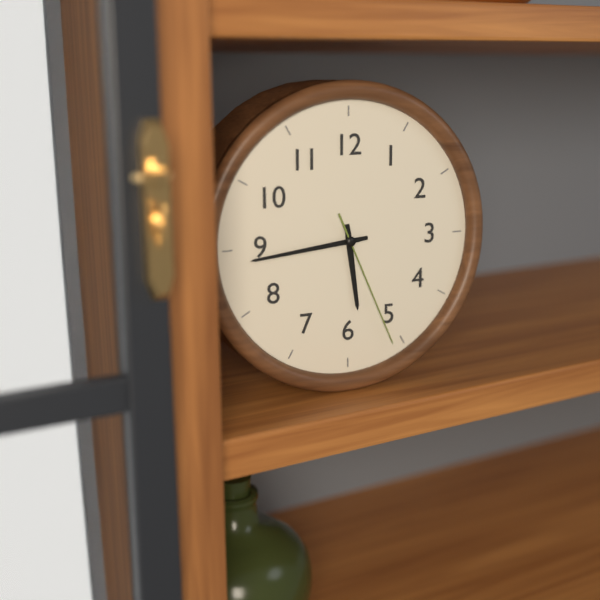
5:44:26
